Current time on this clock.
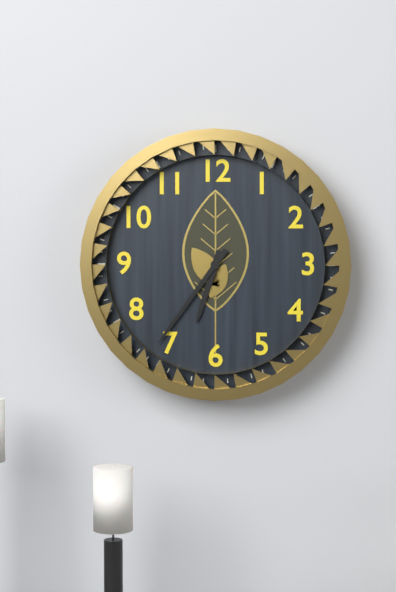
6:36
